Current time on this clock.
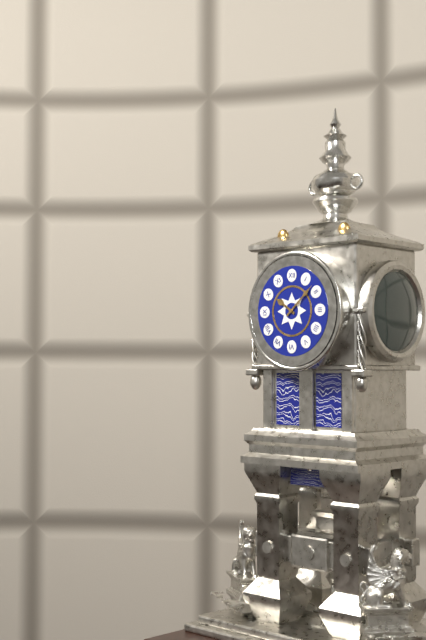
10:08
